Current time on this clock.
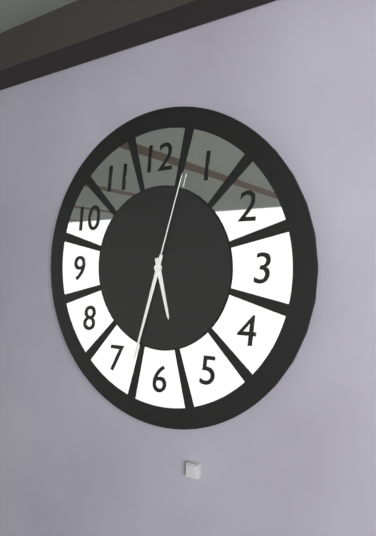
5:33:03
